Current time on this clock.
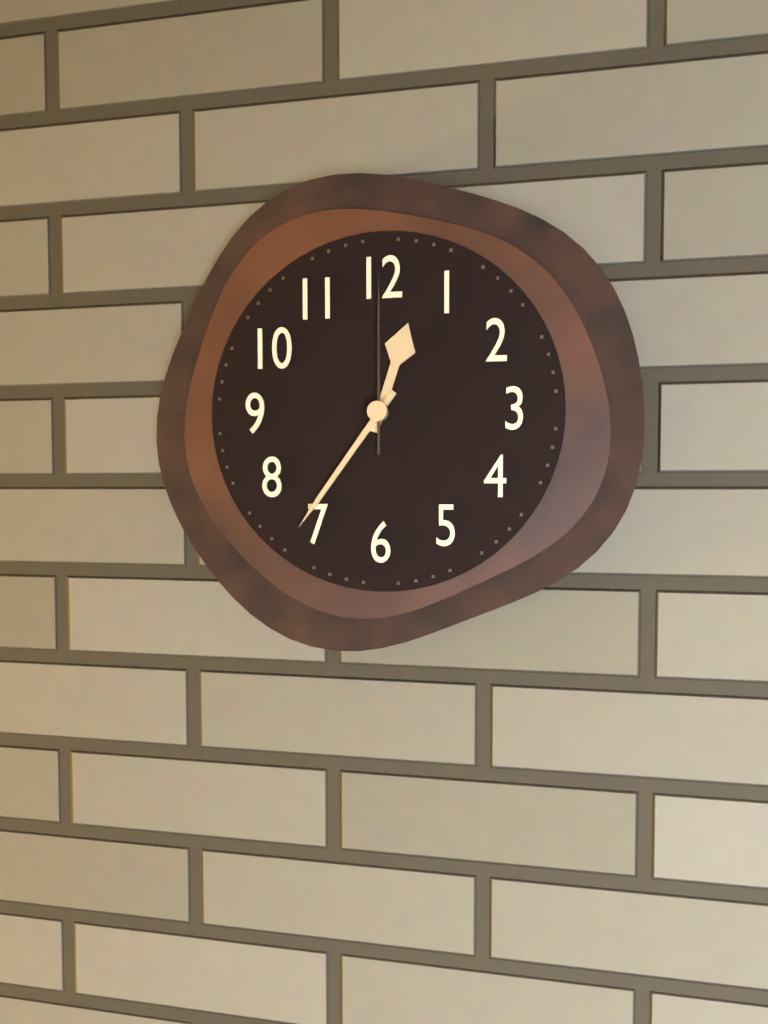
12:36:00
